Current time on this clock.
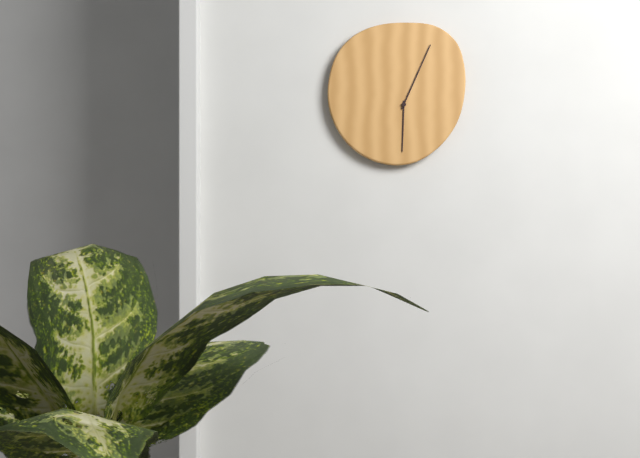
6:04
